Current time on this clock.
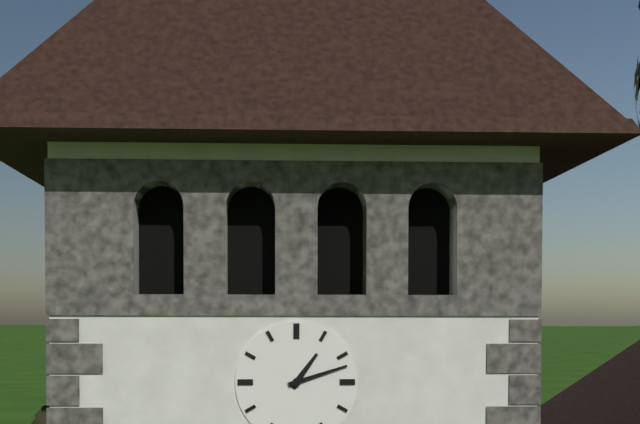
1:12
